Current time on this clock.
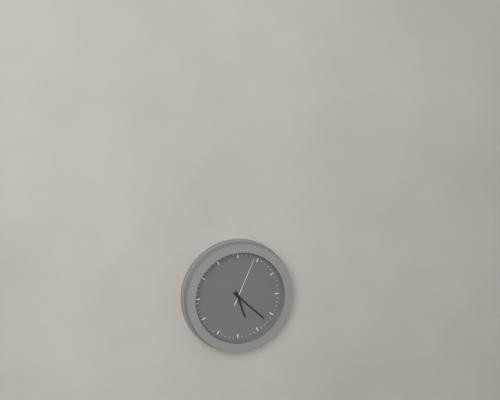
5:22:04
